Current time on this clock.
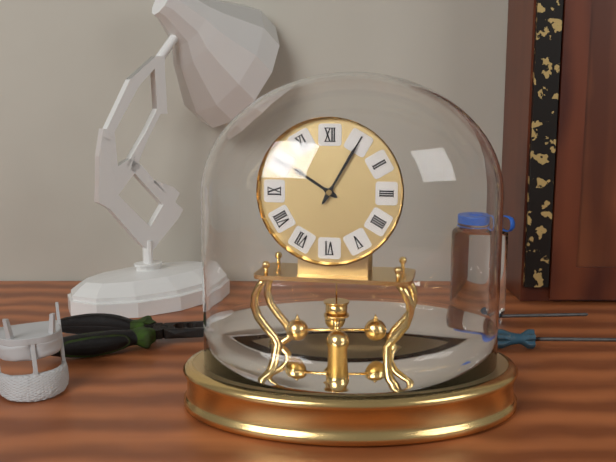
10:05
